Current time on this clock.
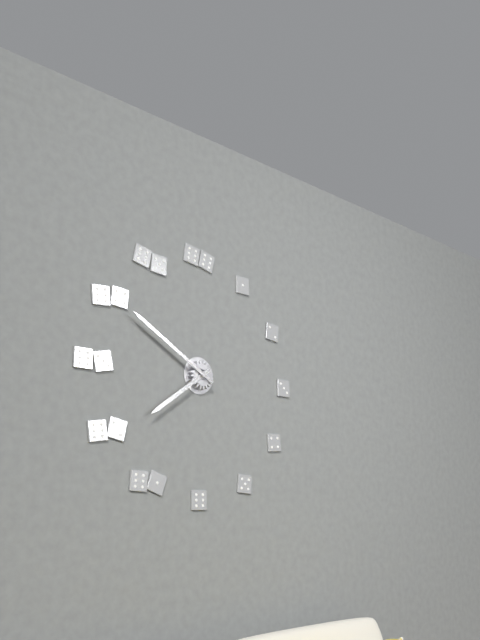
7:50
